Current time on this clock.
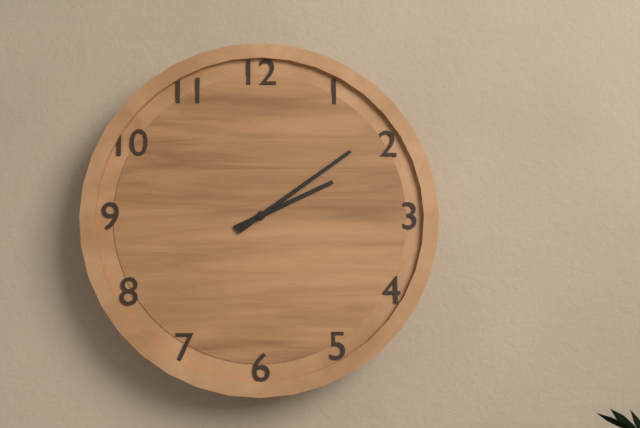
2:09
